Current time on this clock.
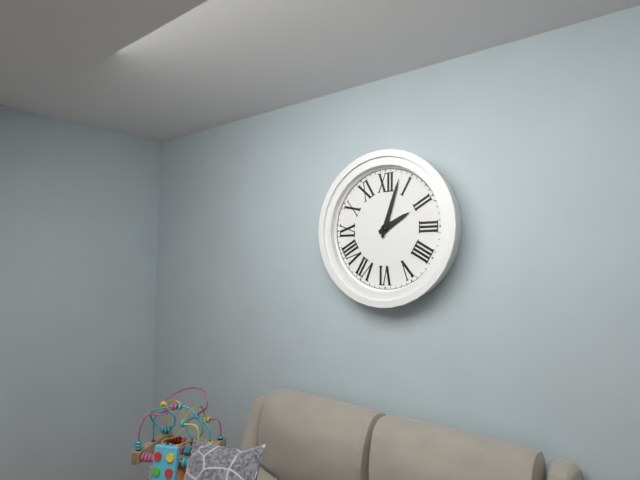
2:03
